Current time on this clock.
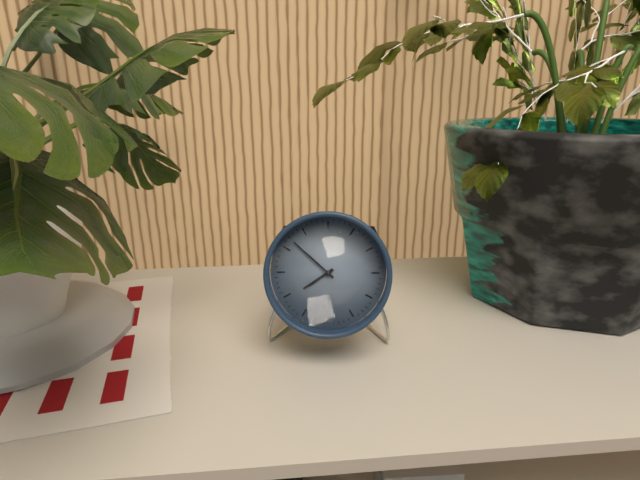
7:52
